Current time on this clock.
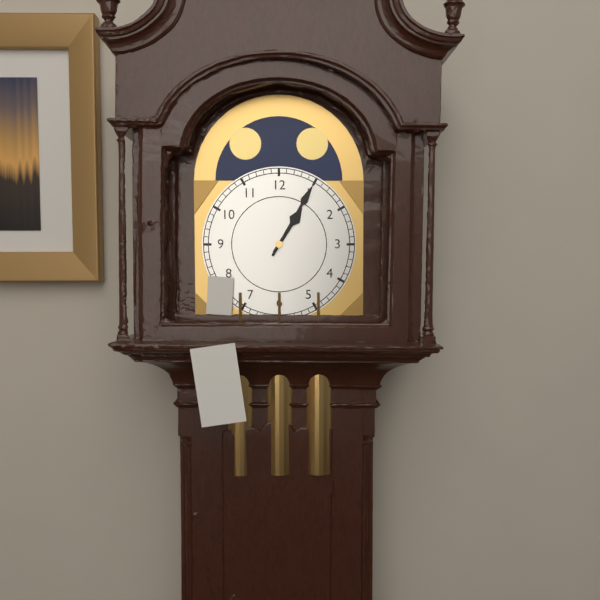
1:05
